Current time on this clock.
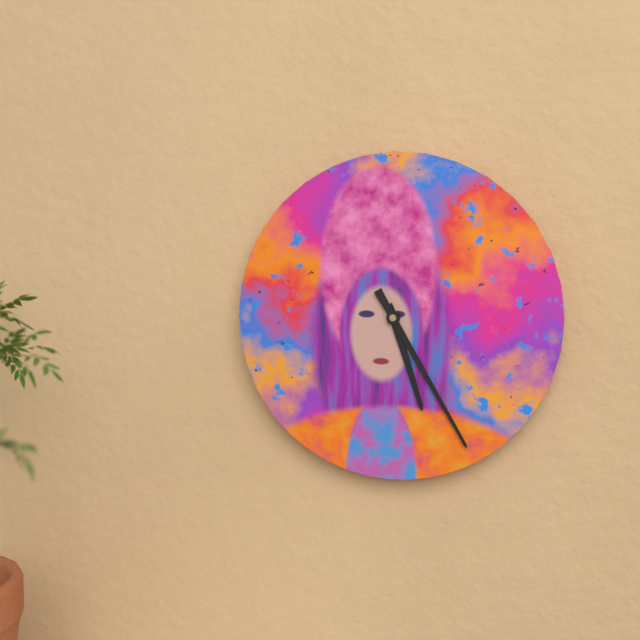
5:25
